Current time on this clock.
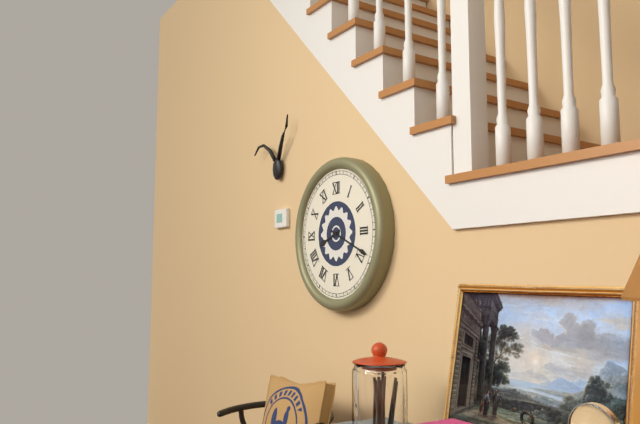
8:19
